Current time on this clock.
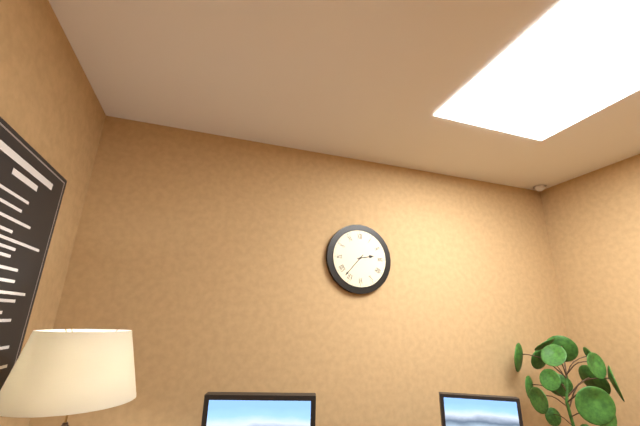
2:37
